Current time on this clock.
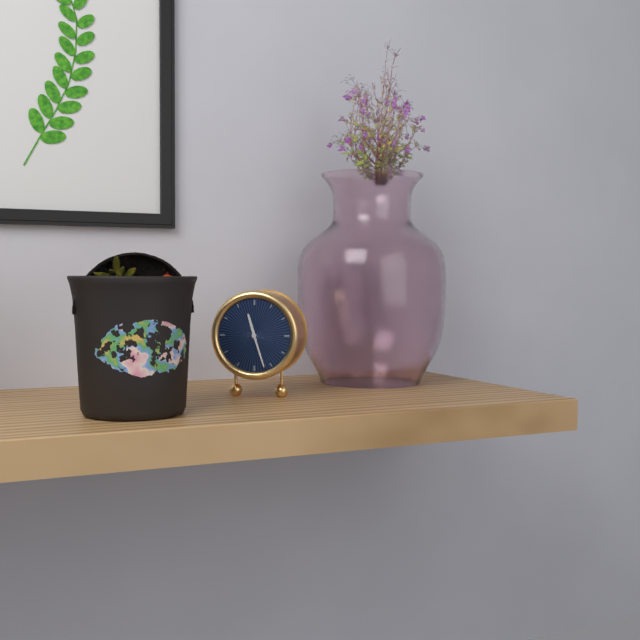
11:27
